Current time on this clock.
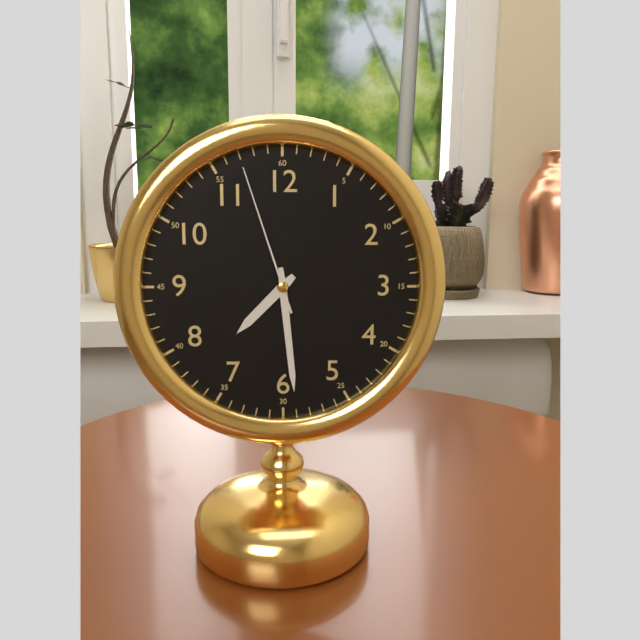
7:29:57
